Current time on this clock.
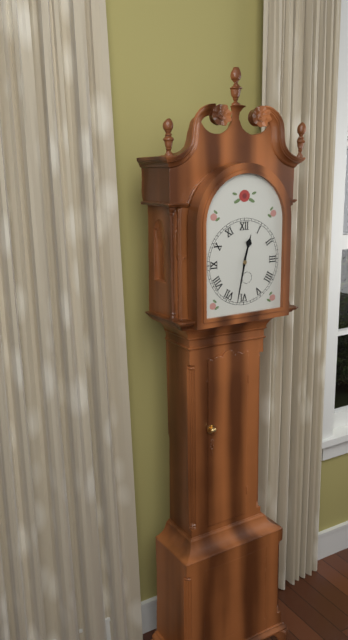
12:32
